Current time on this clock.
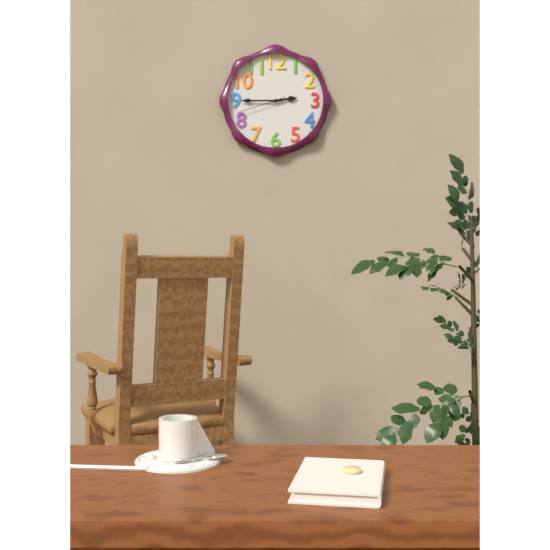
2:45:42
